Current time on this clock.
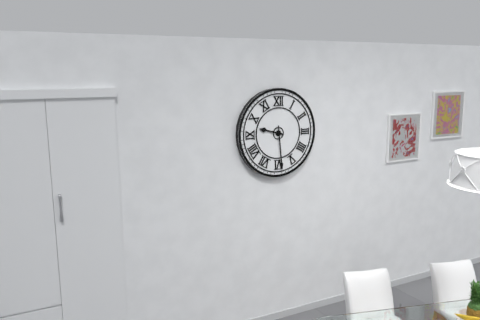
9:29
